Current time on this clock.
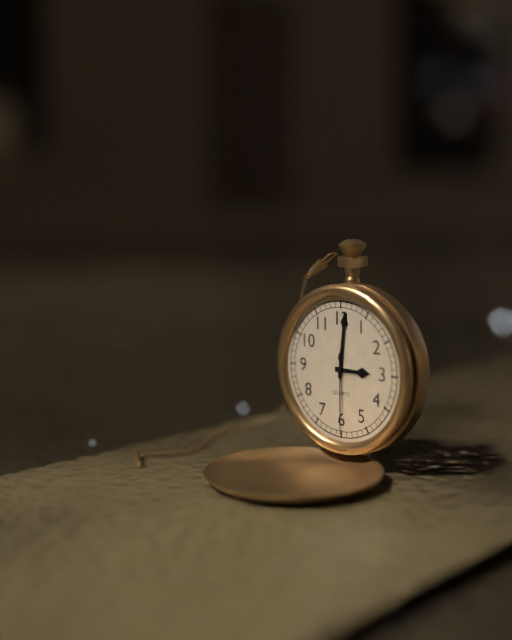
3:01:30
